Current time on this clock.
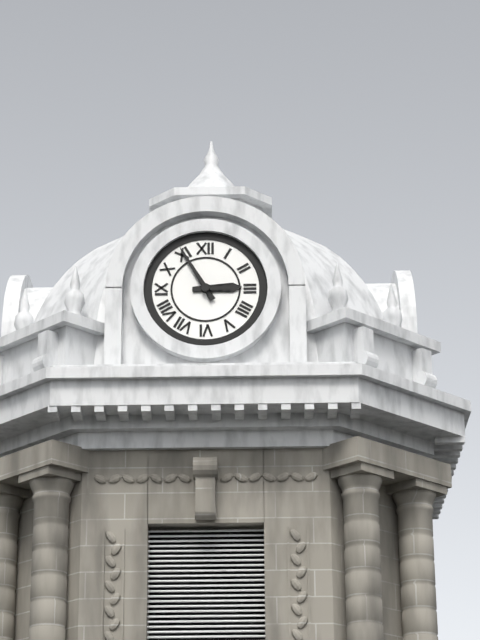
2:55
